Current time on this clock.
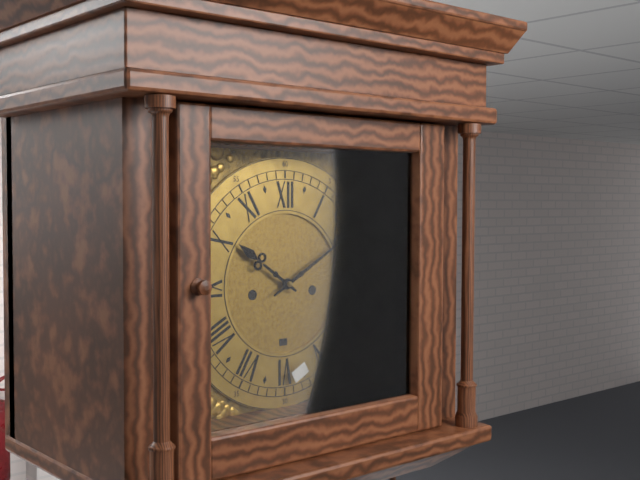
10:10
